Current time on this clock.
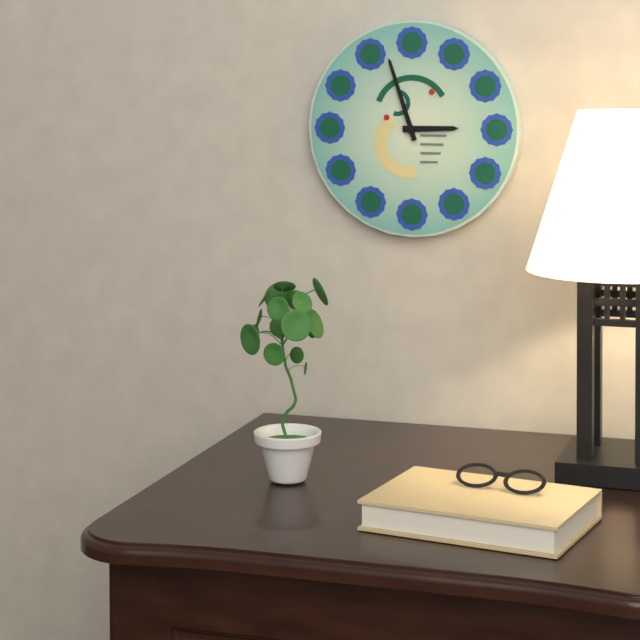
2:57
